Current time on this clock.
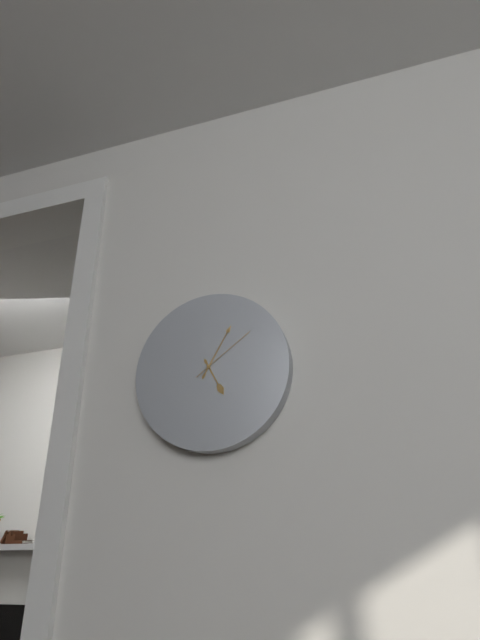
5:05:09
